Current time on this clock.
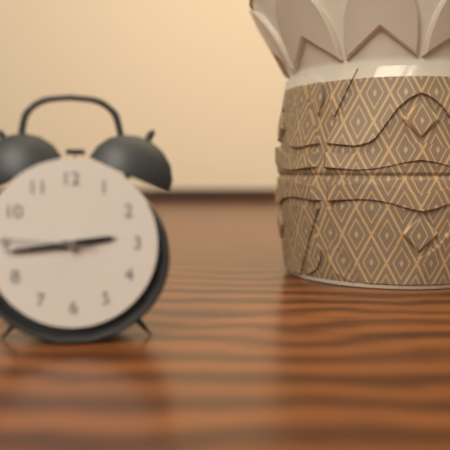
2:44
